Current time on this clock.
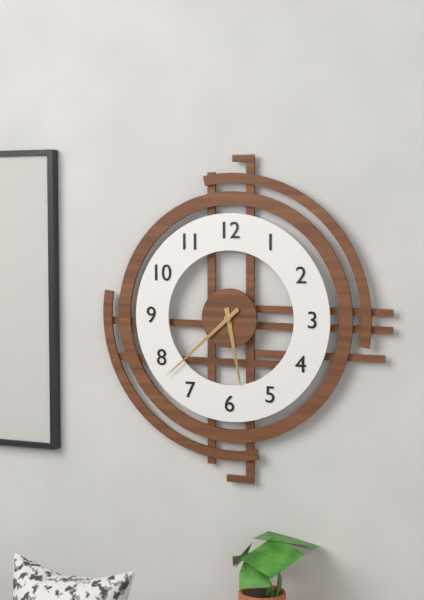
5:38
